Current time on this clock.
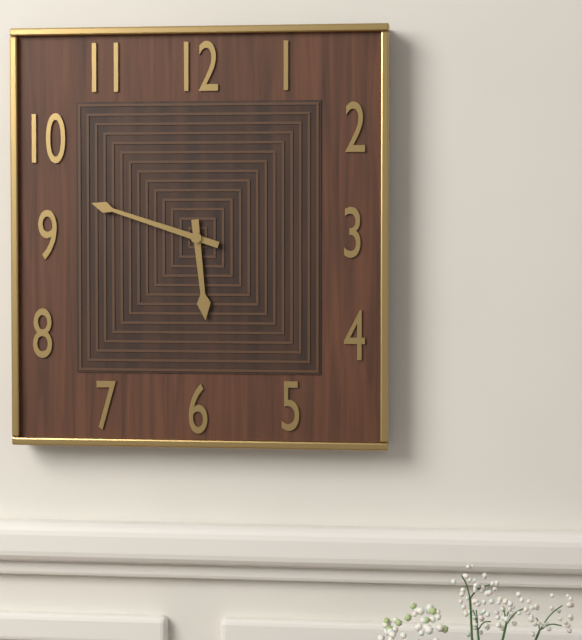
5:48
